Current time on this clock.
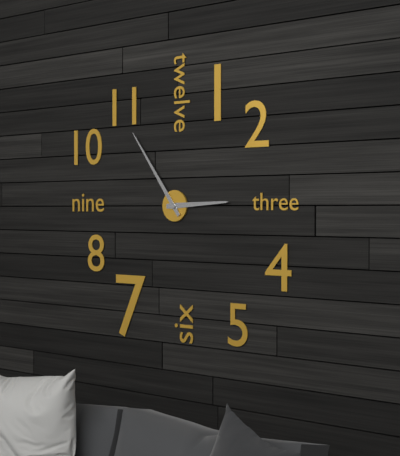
2:54
